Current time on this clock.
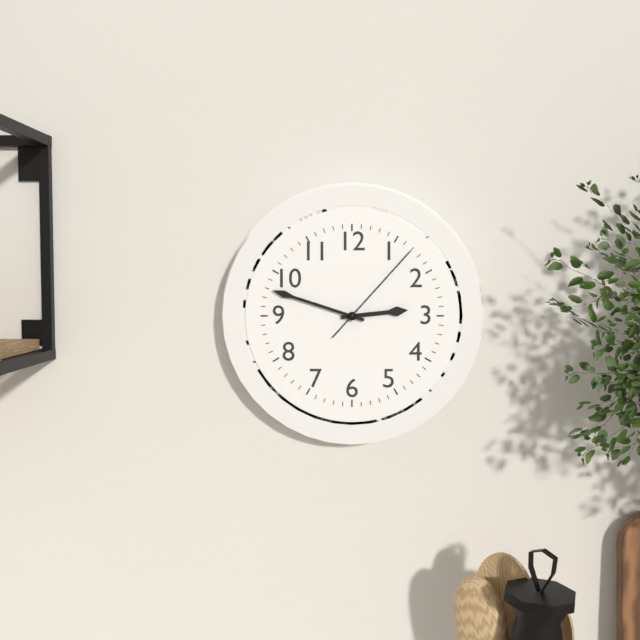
2:48:07
